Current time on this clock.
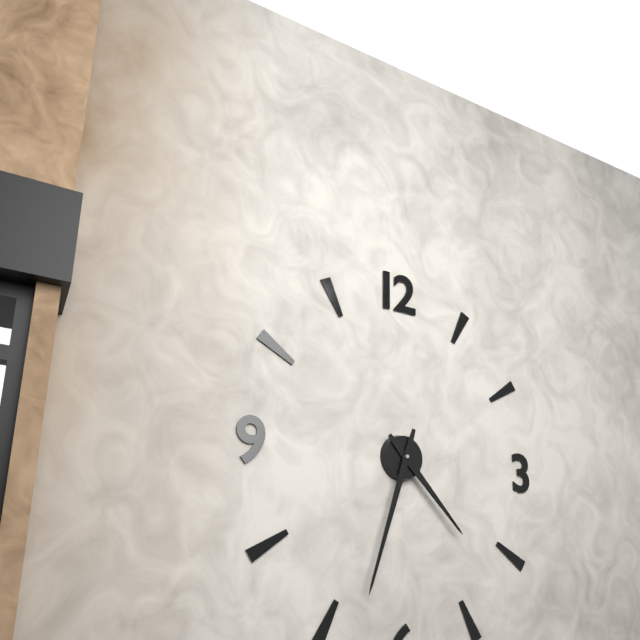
4:33
